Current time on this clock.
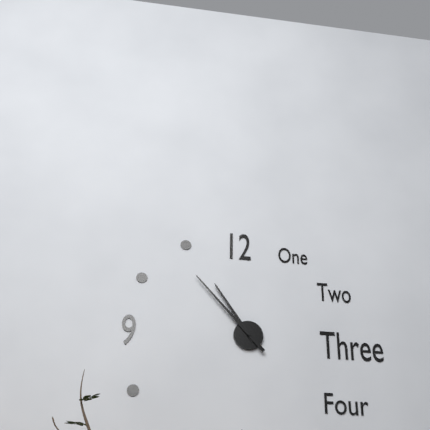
10:53
